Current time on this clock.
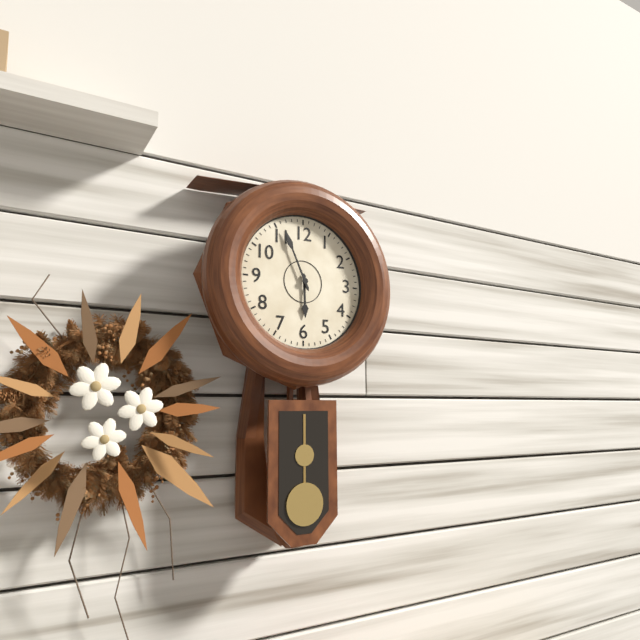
5:56
